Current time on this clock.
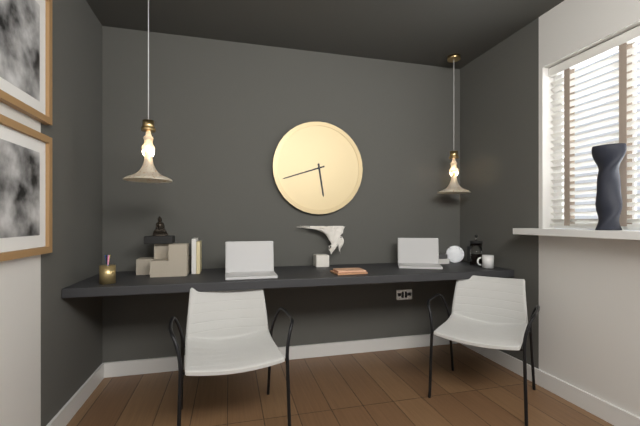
5:42
